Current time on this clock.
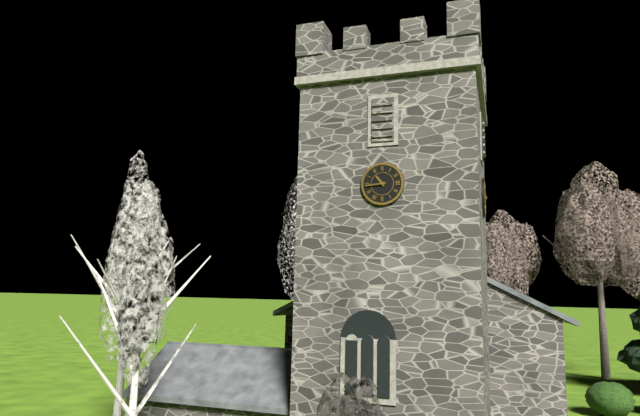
10:44
